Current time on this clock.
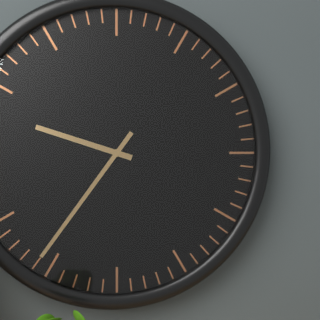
9:36
